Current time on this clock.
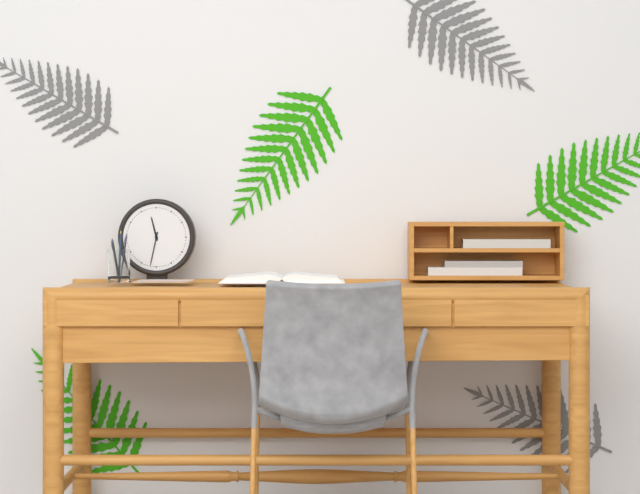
11:32
